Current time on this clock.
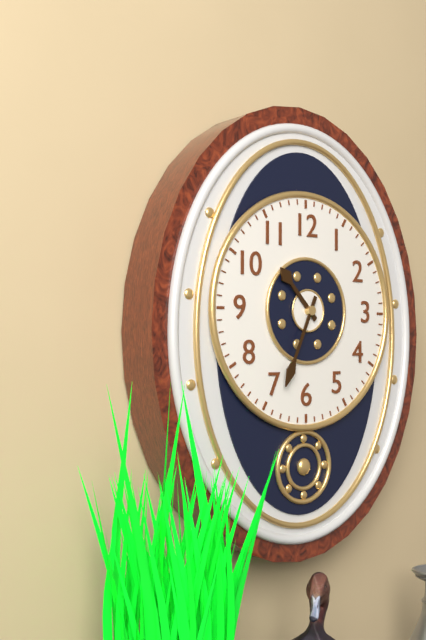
10:34
